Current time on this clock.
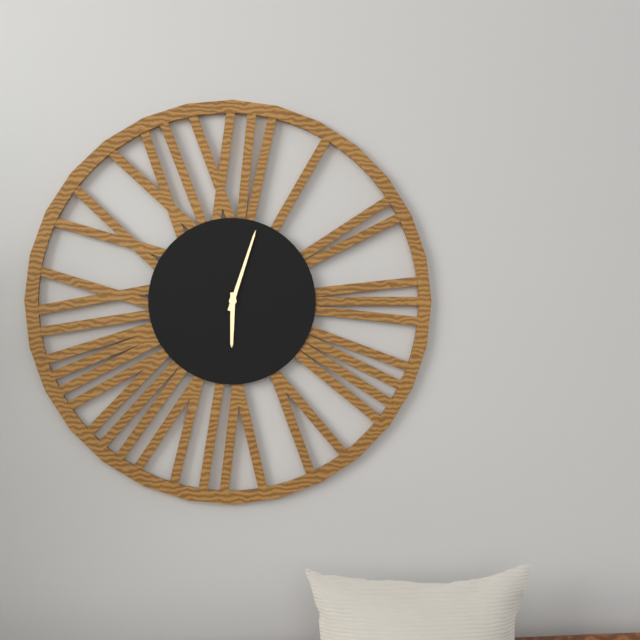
6:03
